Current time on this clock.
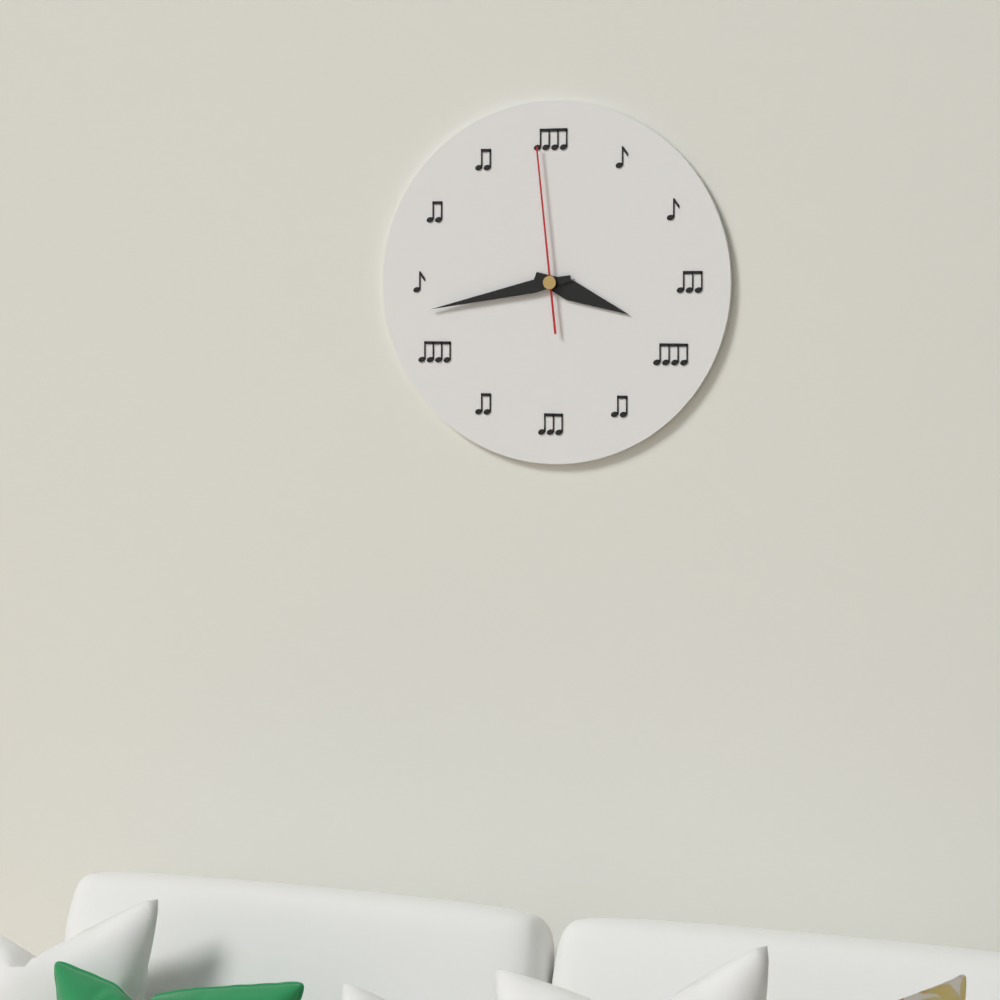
3:43:59
